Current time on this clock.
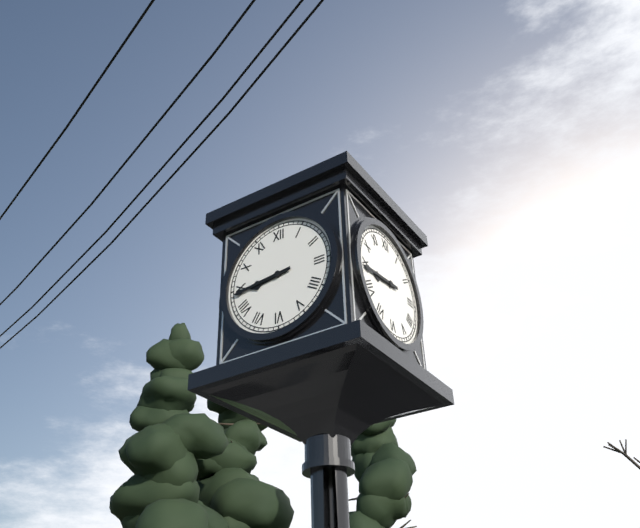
8:44
